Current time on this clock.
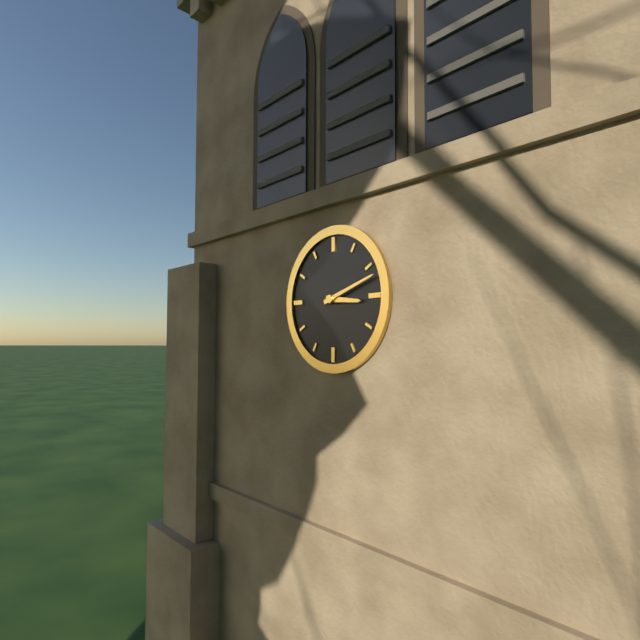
3:12
